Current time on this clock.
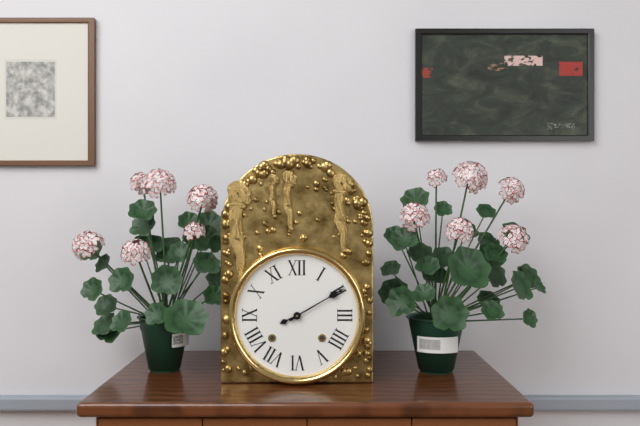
8:10
